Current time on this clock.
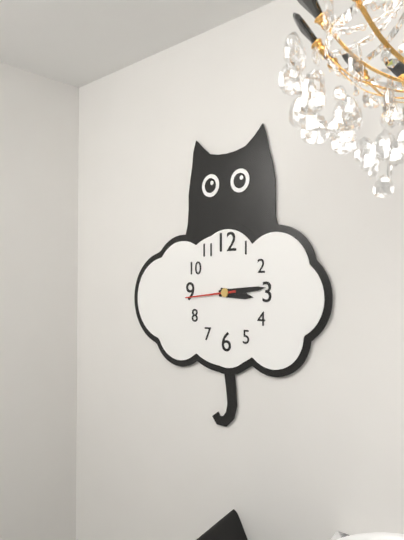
3:14:44
